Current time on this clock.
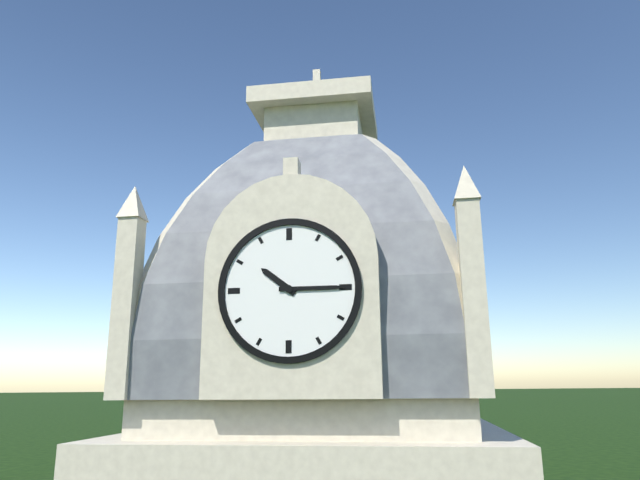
10:15
